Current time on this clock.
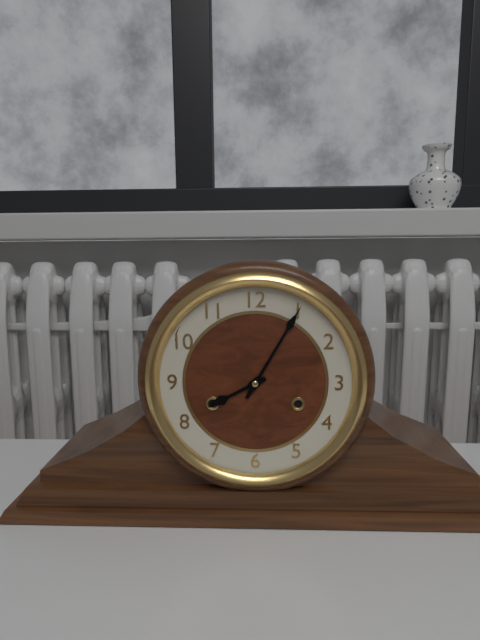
8:05
